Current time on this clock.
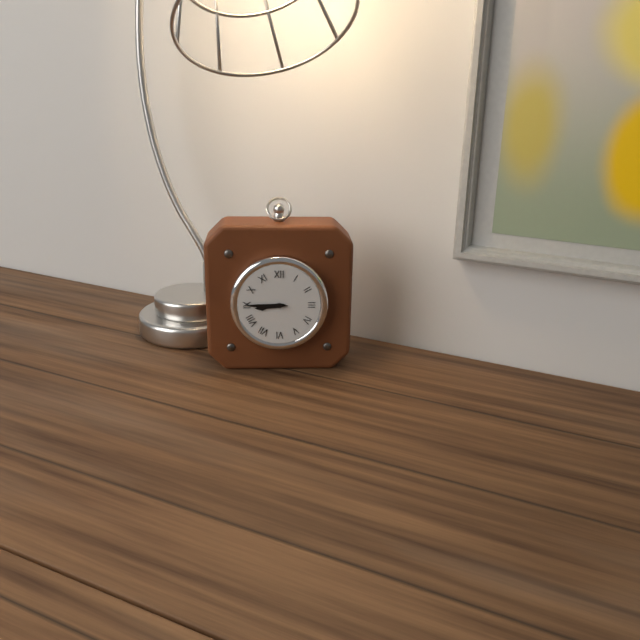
8:45
